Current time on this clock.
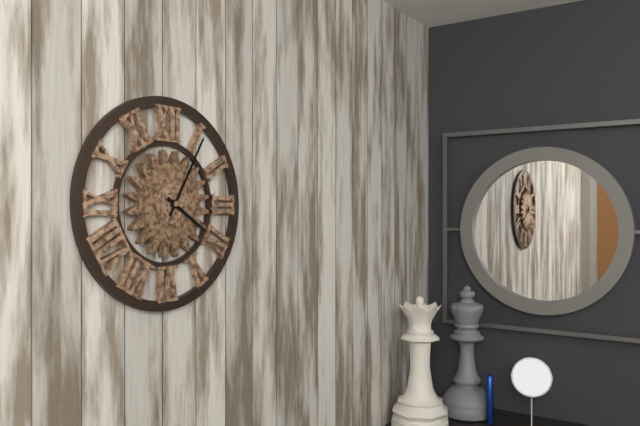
4:05
